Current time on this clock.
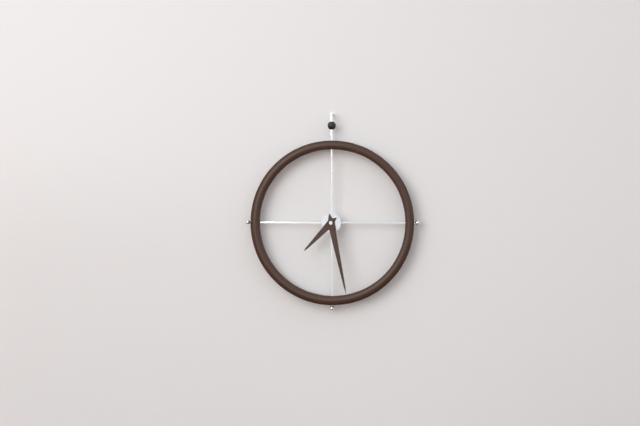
7:28
